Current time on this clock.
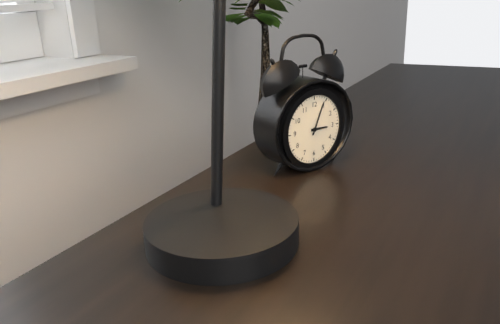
3:04
